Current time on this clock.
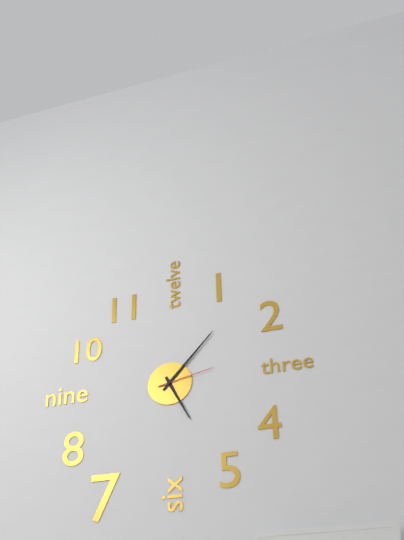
5:07:13
